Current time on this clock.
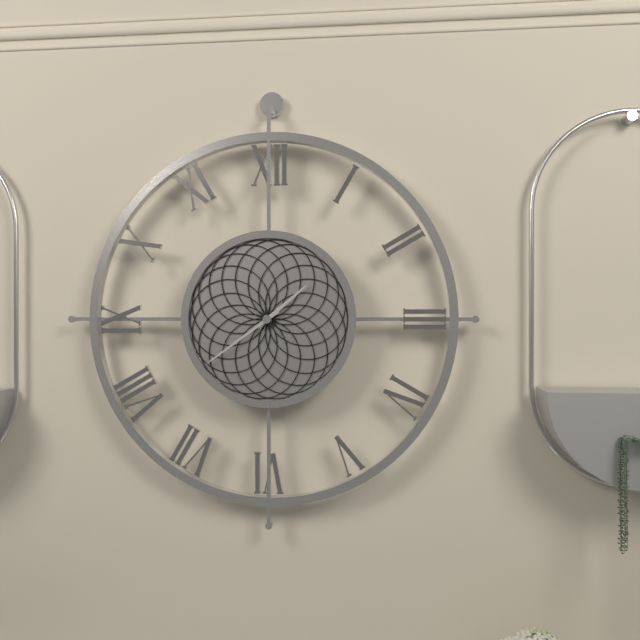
1:39
